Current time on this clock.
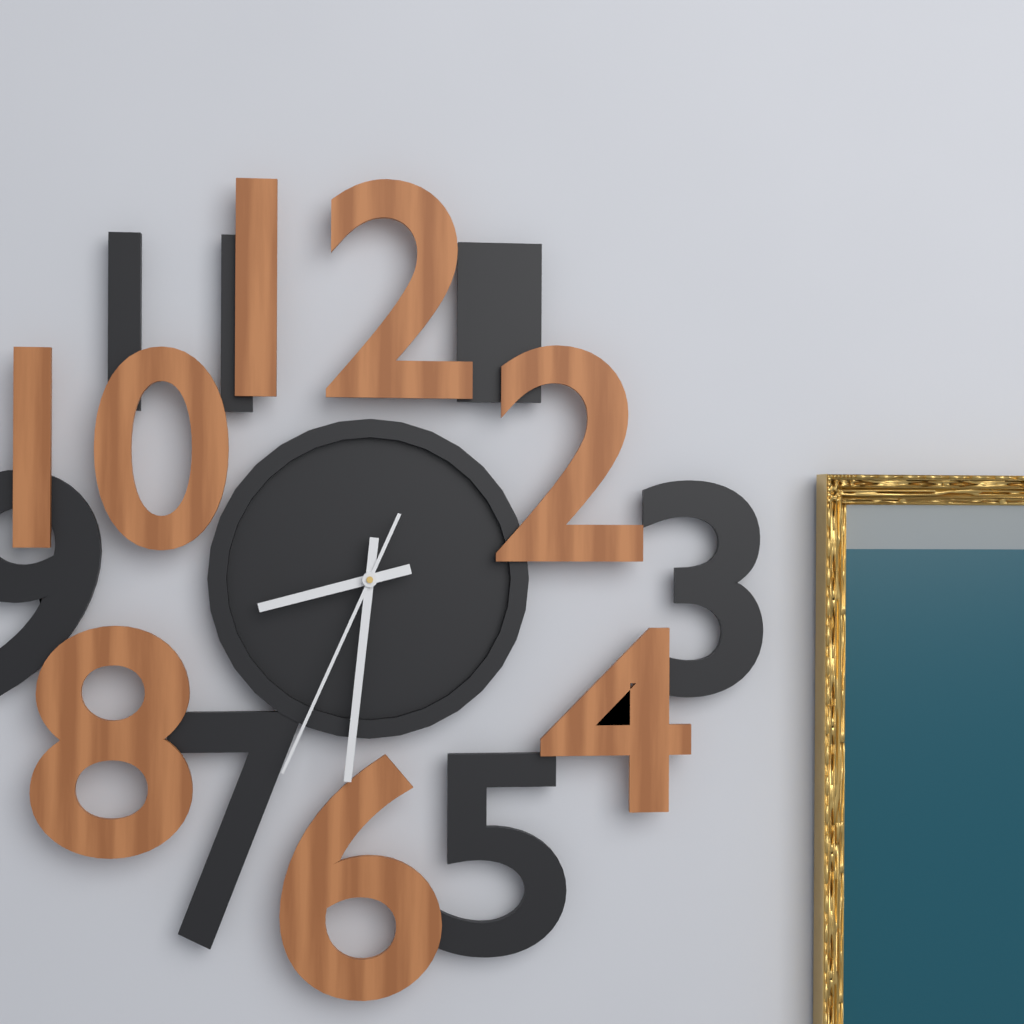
8:31:34
